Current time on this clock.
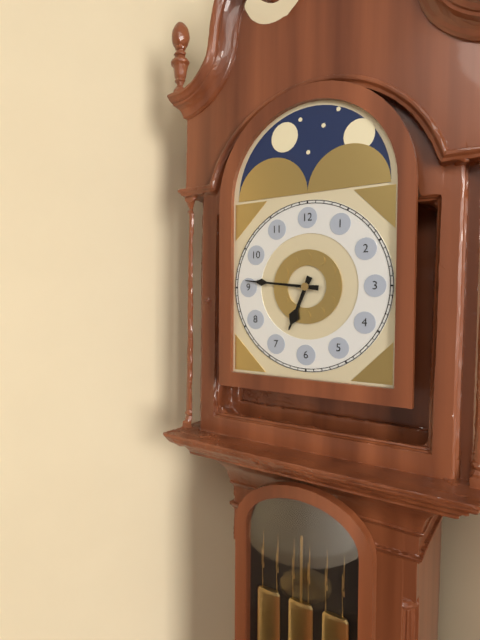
6:46
